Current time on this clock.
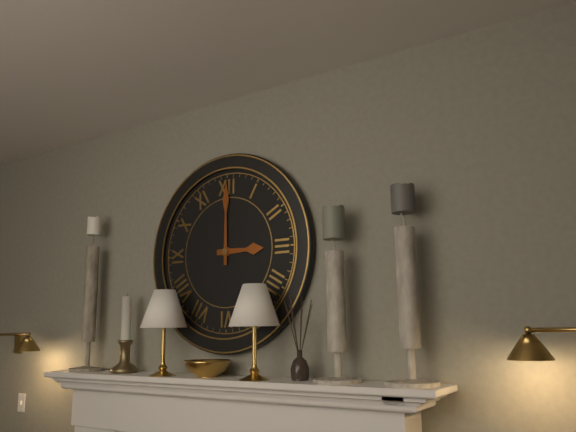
3:00
